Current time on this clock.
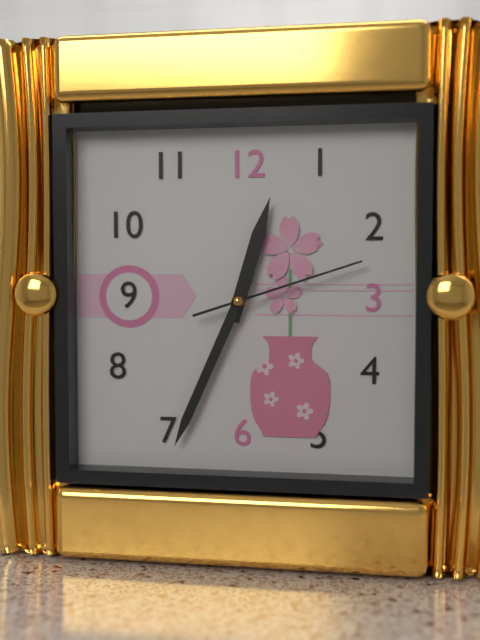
12:34:12
